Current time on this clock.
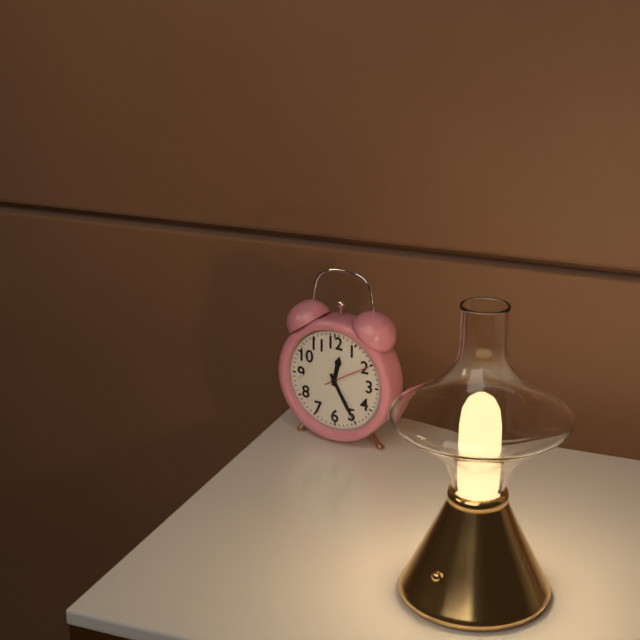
12:25
